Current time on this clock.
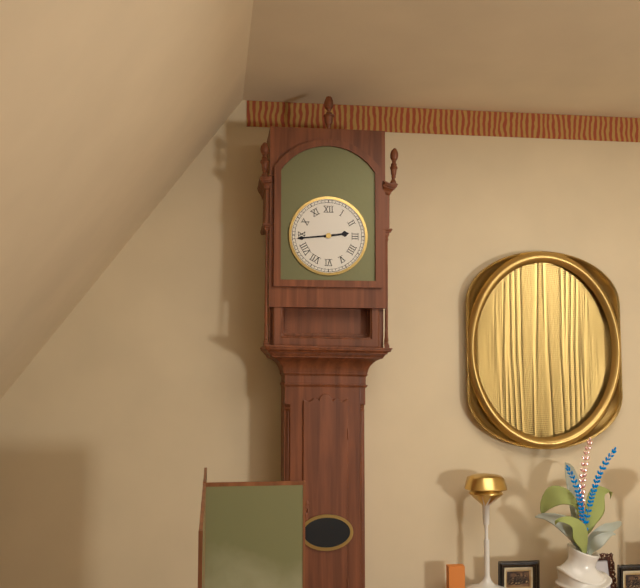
2:44
